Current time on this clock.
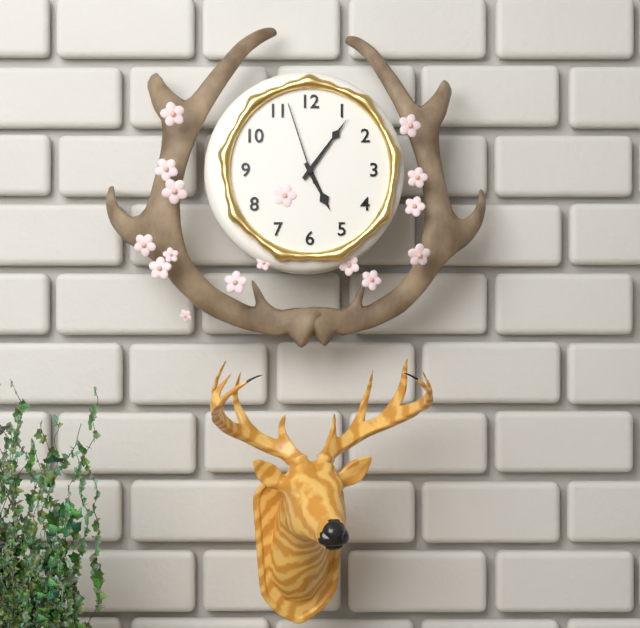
5:06:57
